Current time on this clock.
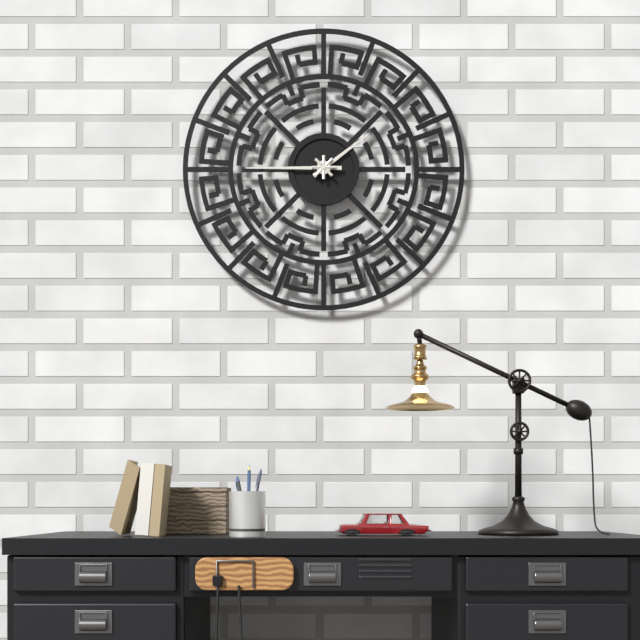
1:45
